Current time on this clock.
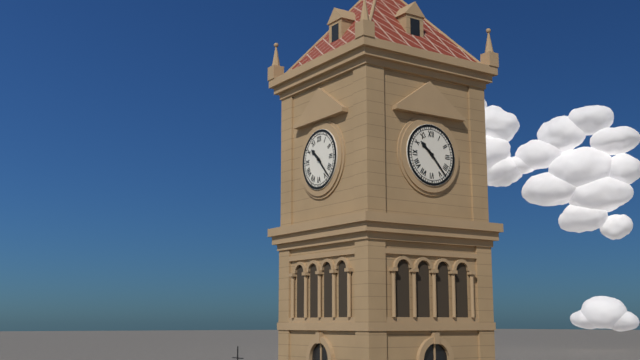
10:23
